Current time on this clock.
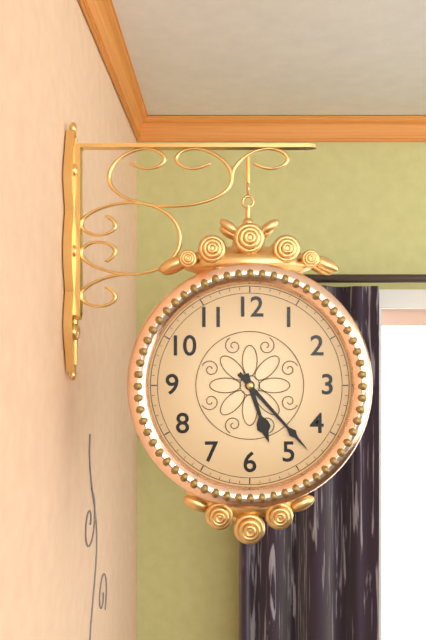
5:23
